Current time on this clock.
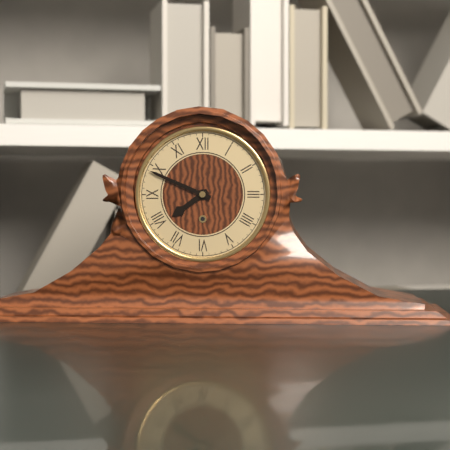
7:49
